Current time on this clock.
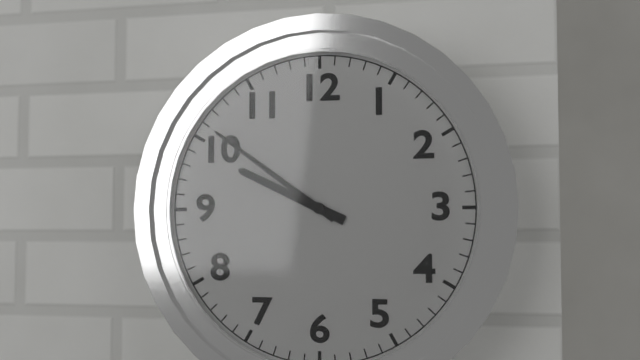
9:51
